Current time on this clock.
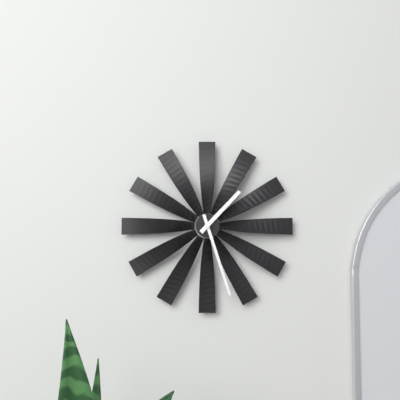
1:27
